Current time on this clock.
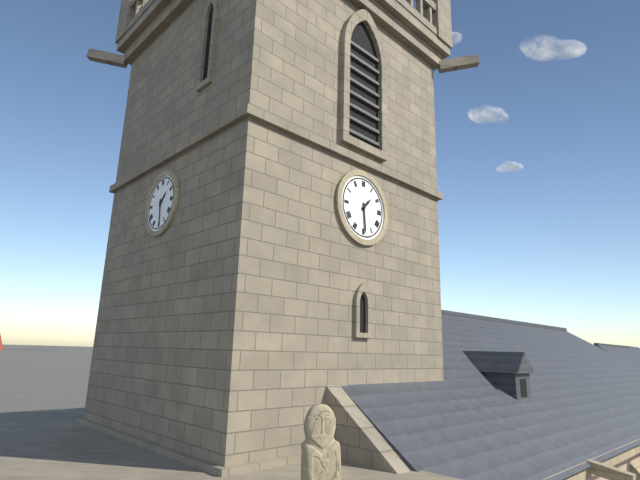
1:29
